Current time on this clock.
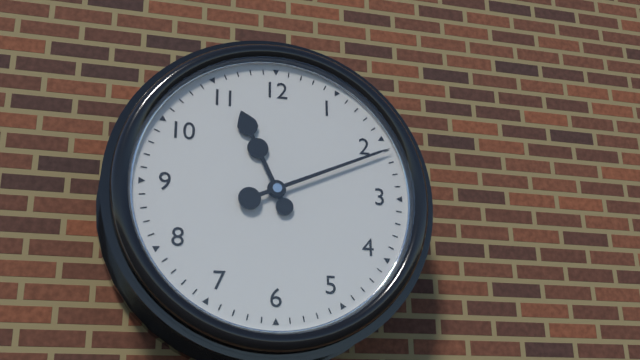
11:11
